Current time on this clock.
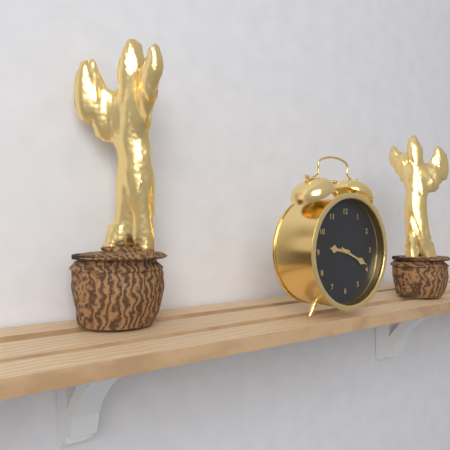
9:19
